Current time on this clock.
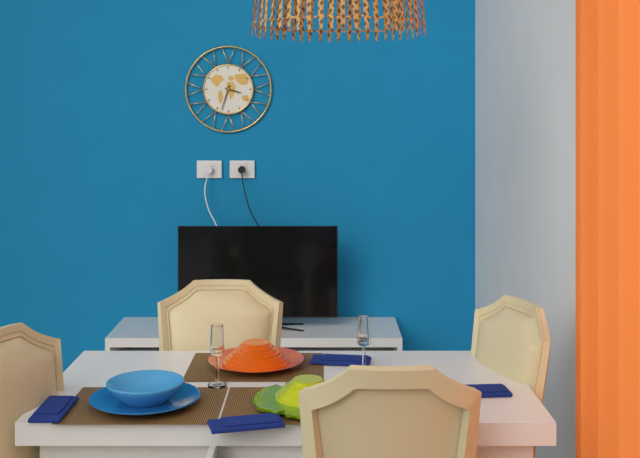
3:33
